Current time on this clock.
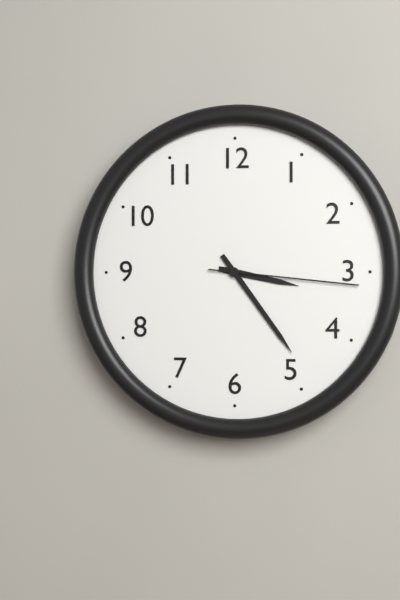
3:24:16
